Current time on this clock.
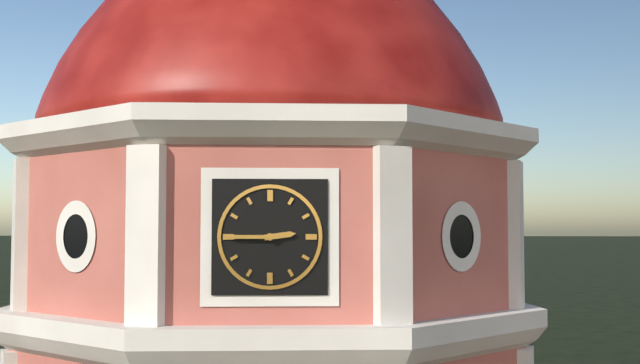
2:45
